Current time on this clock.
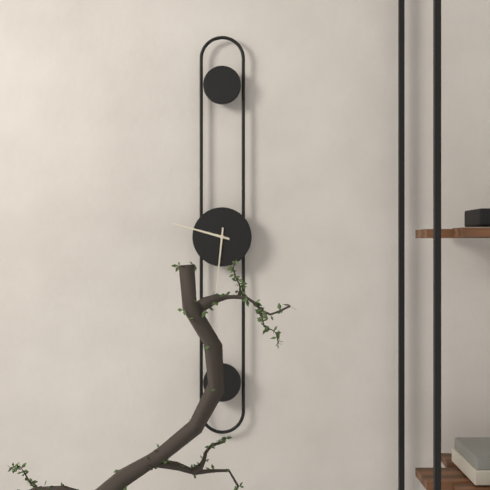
9:31
